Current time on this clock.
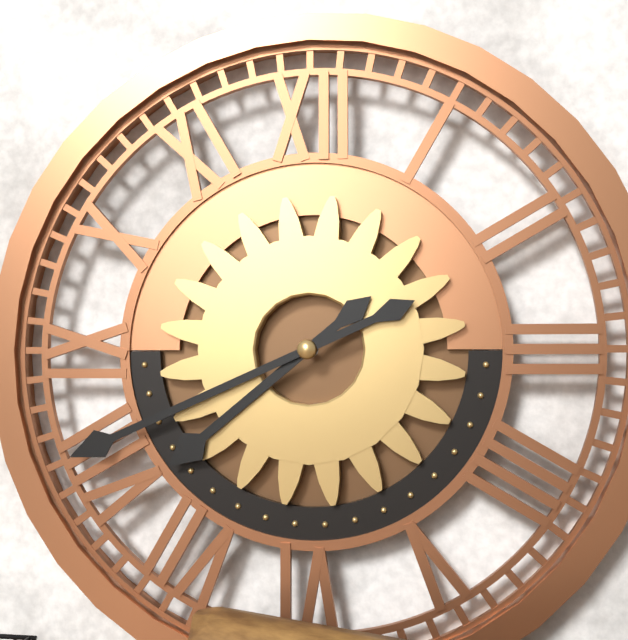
7:41
